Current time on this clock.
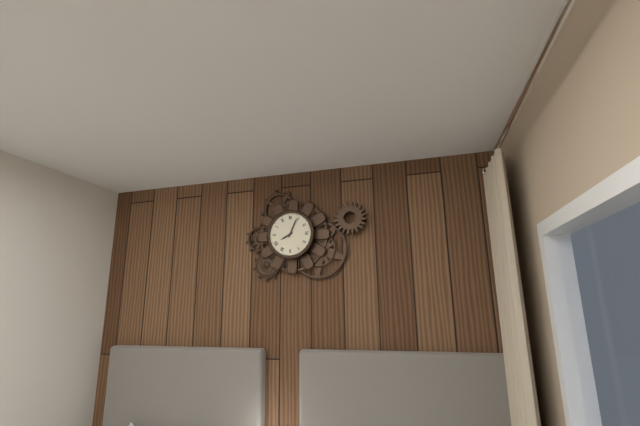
8:04
